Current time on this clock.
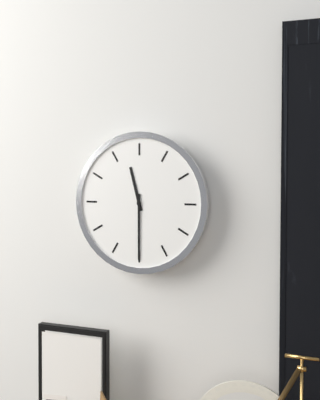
11:30
